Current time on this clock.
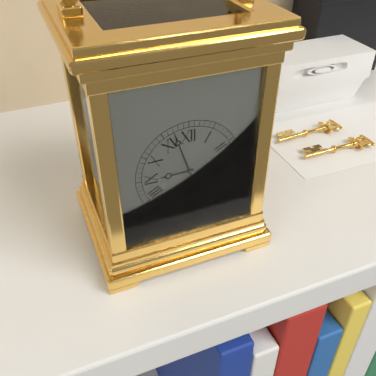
8:57
